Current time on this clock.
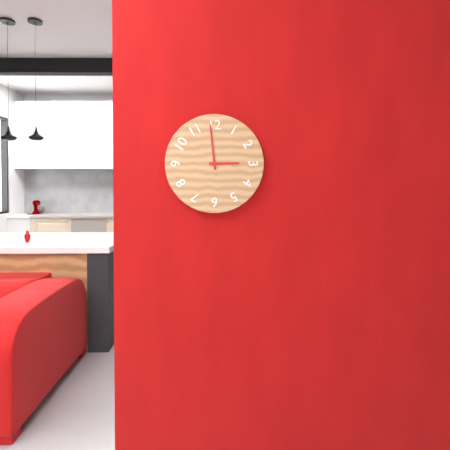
2:59
